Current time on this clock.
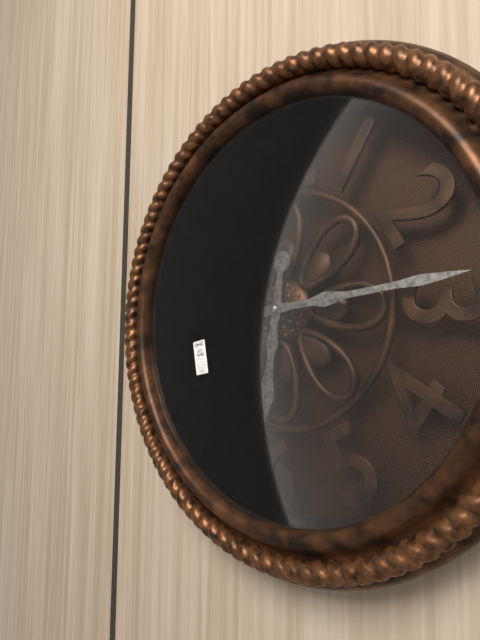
6:14
